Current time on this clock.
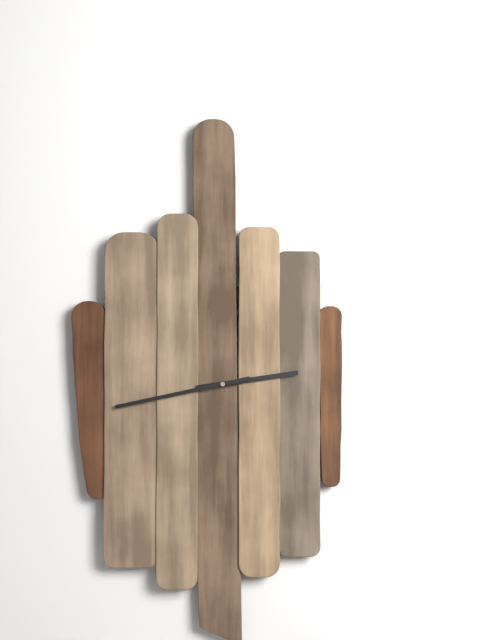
2:43
